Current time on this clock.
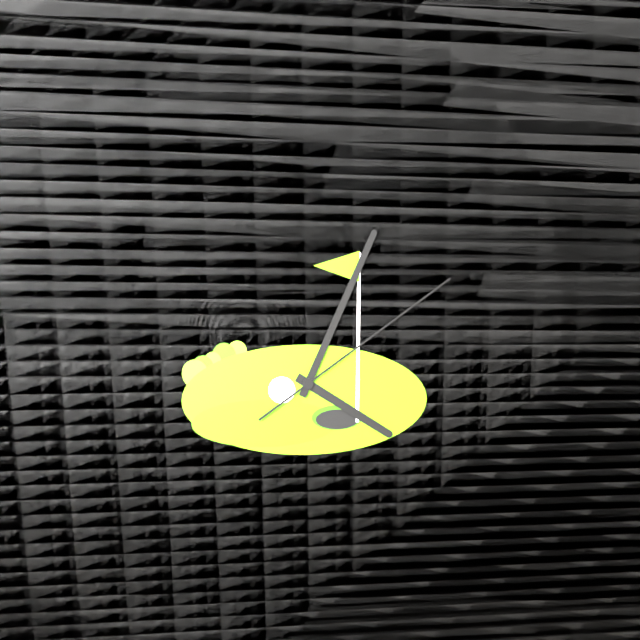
4:04:09
